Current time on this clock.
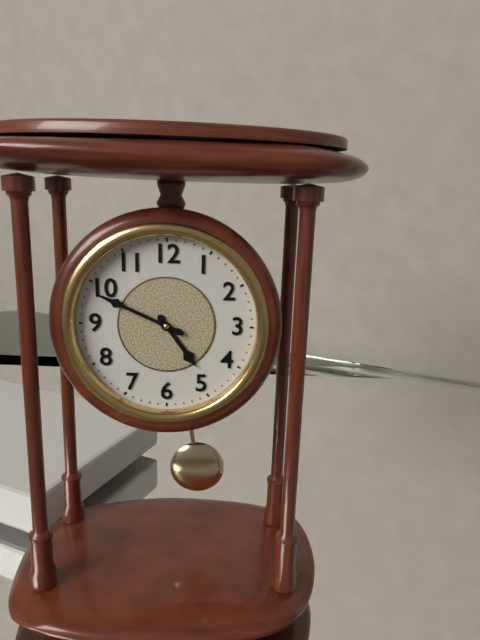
4:49
